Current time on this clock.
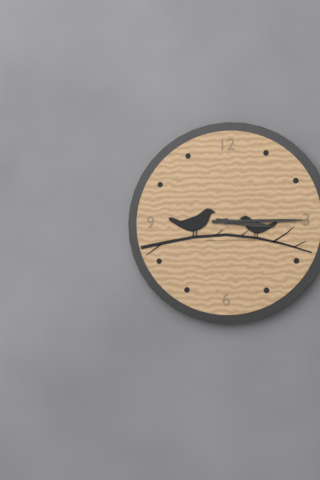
3:15
